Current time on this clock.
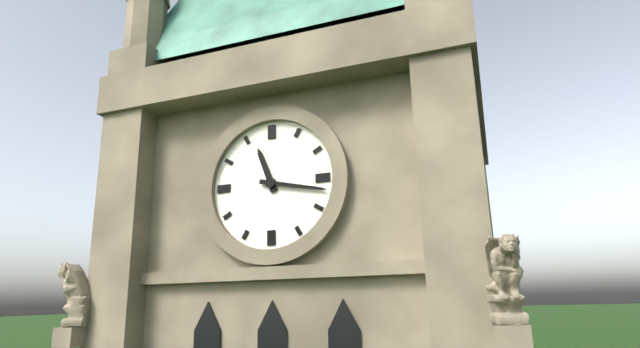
11:17
